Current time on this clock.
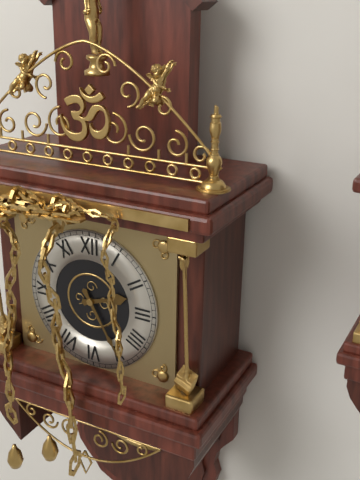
2:25
